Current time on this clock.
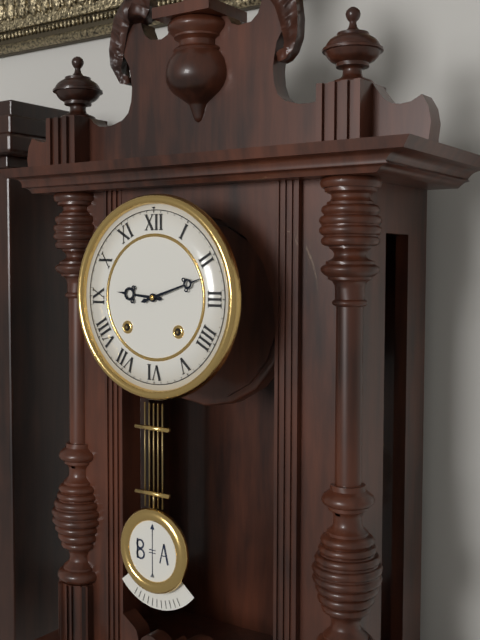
9:12
